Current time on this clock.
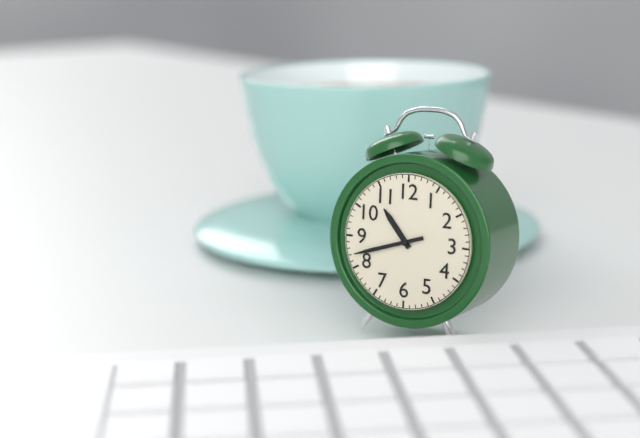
10:42
